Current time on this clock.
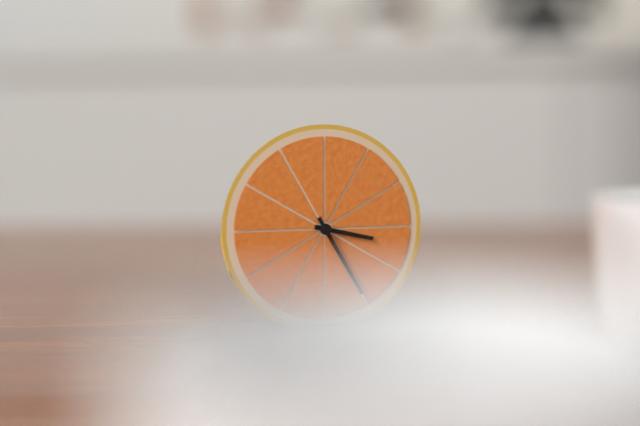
3:25
